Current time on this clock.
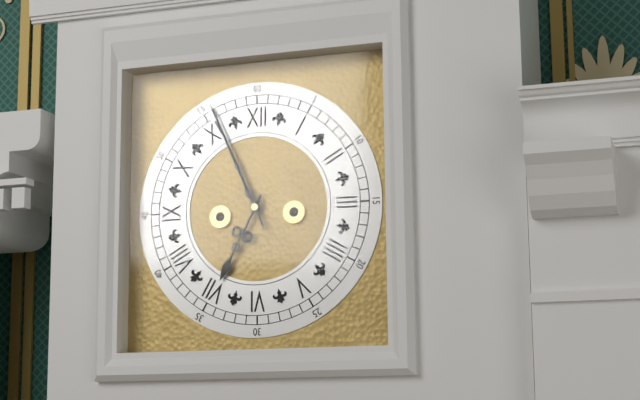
6:56
